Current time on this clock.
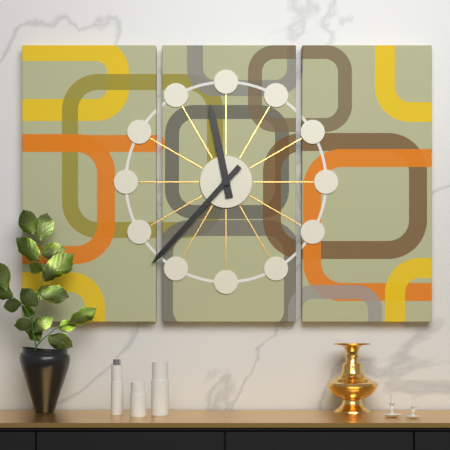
11:37
